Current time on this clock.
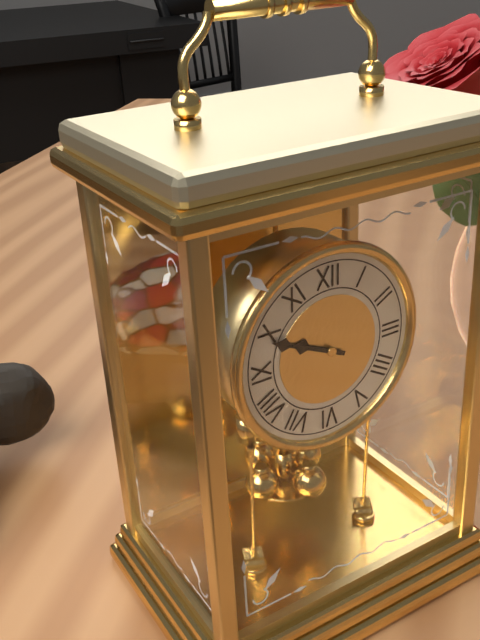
9:49
